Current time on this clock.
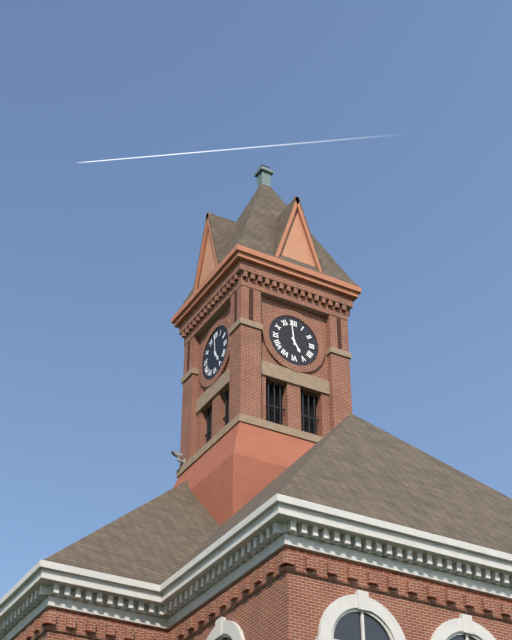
4:59
